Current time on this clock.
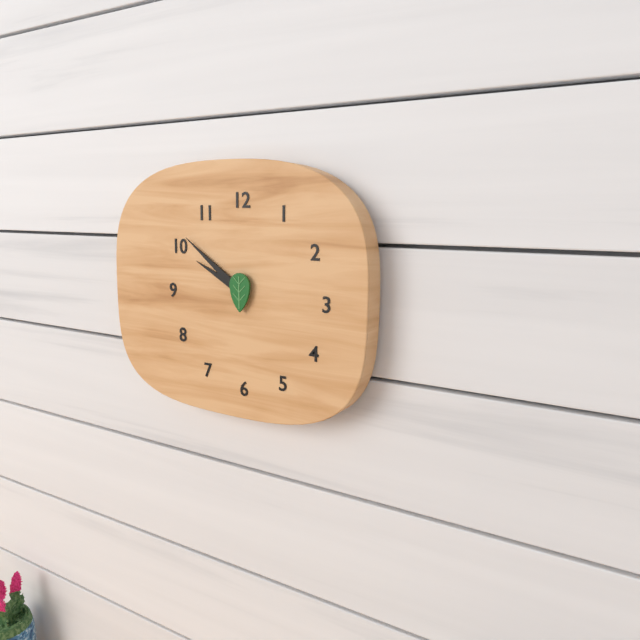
9:51
